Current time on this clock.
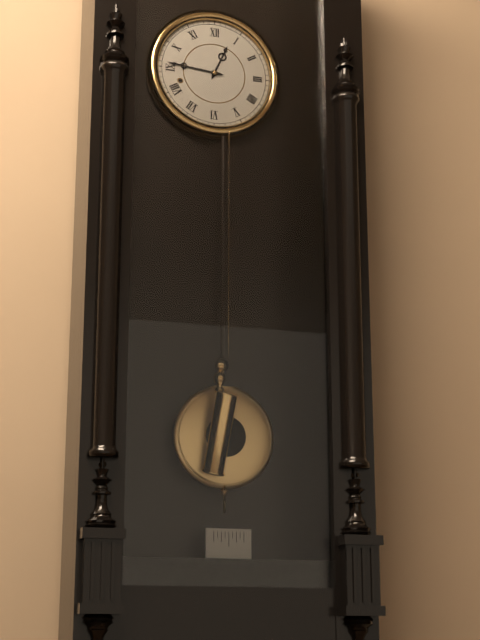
12:46
